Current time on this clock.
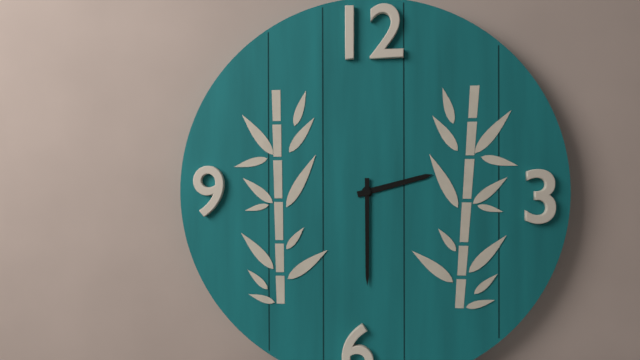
2:30
